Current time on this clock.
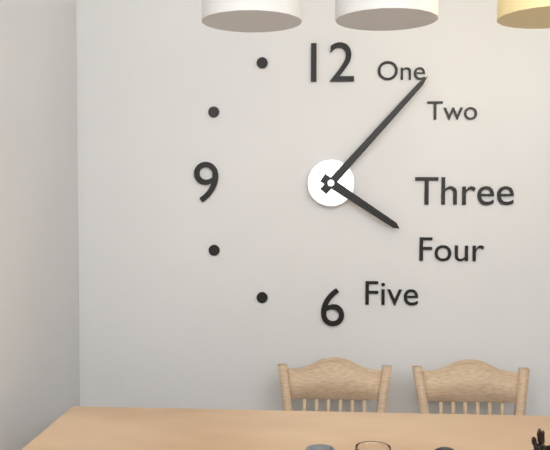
4:07
